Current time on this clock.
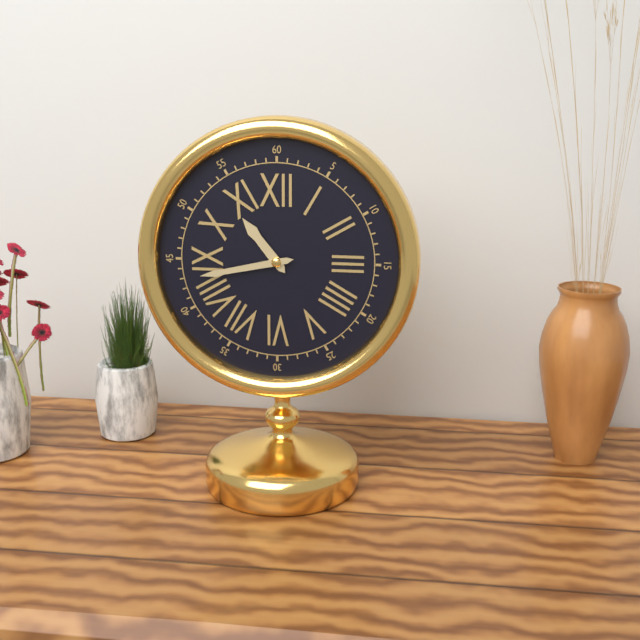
10:43
